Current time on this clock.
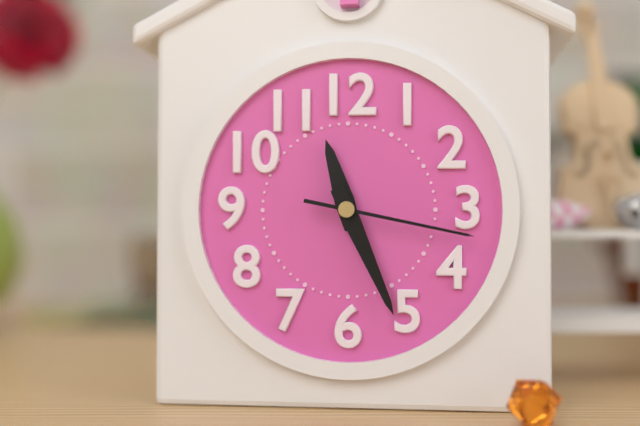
11:26:17
